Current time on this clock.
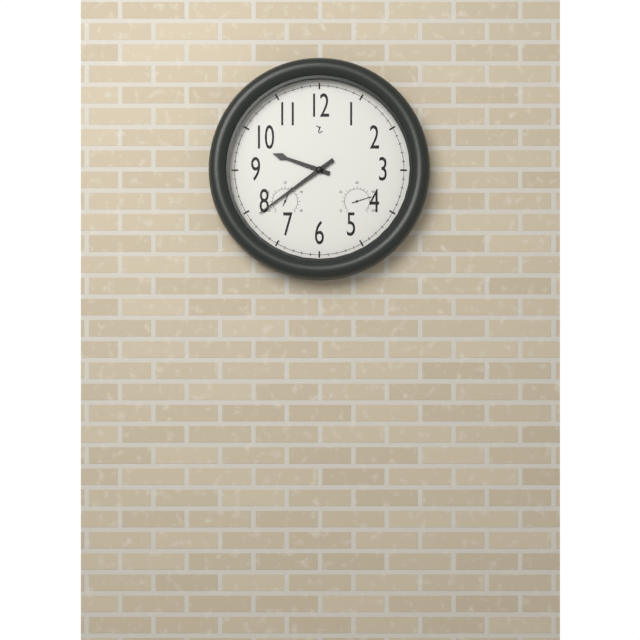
9:39
